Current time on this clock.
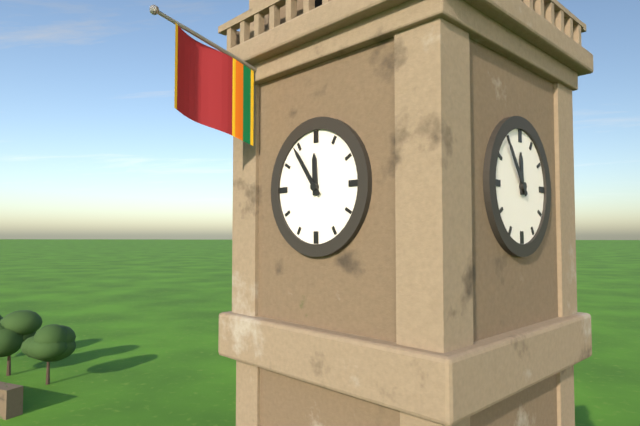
11:54
